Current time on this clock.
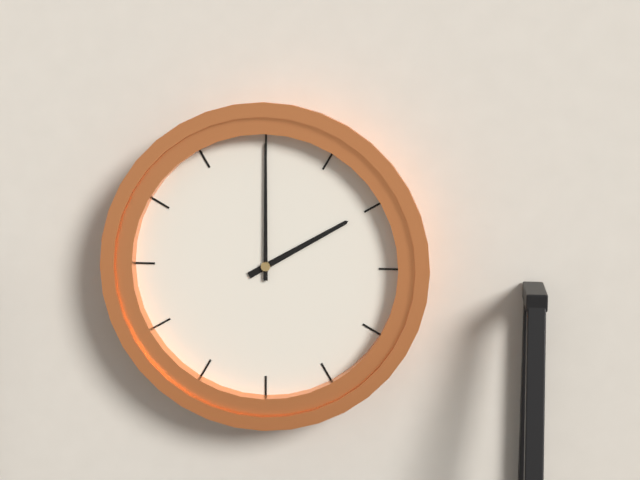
2:00
